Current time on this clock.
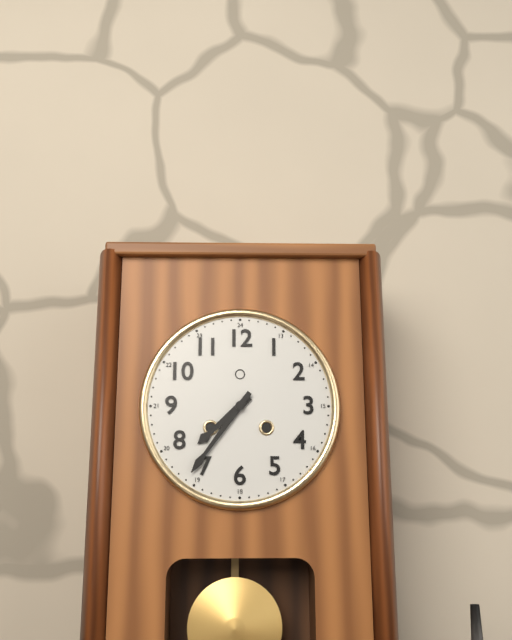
7:36
